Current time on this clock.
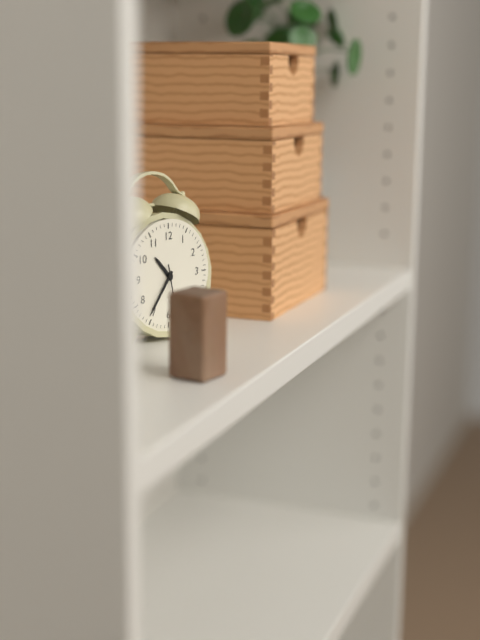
10:36
